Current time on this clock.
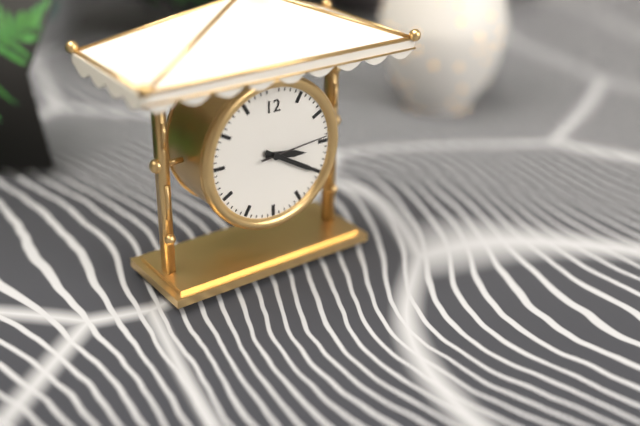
3:20:14
